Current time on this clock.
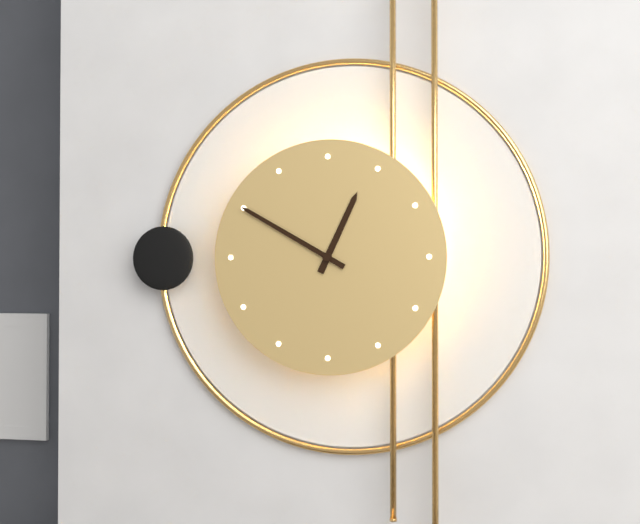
12:50
